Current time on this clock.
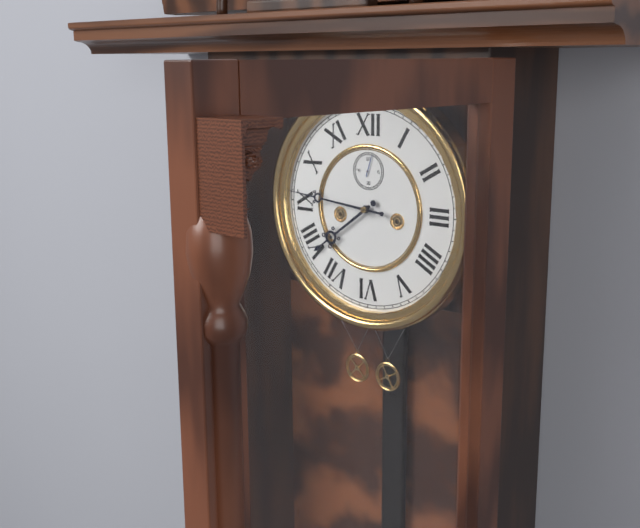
7:46
